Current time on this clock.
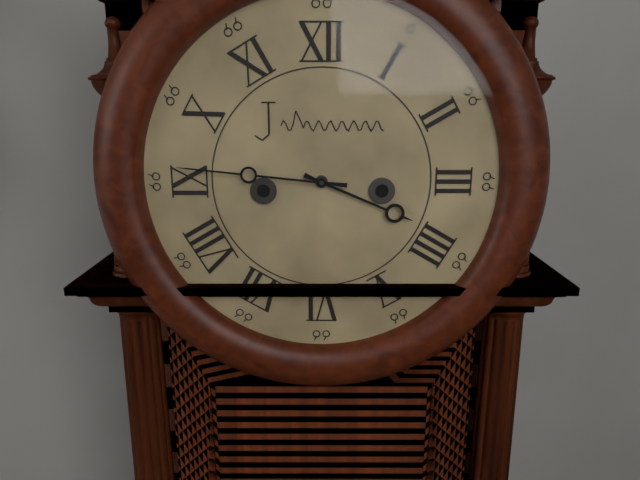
3:46
